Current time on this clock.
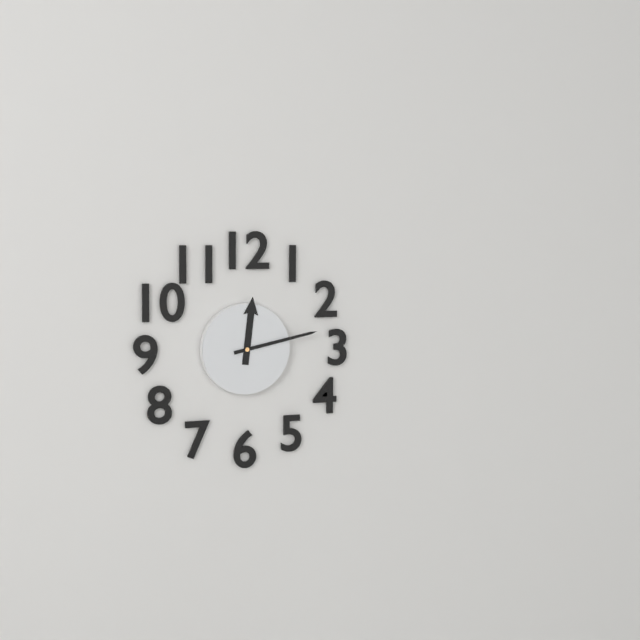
12:13
